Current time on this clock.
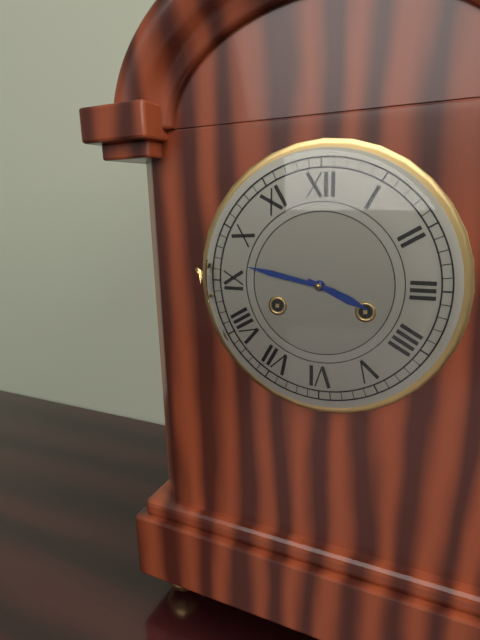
3:47
